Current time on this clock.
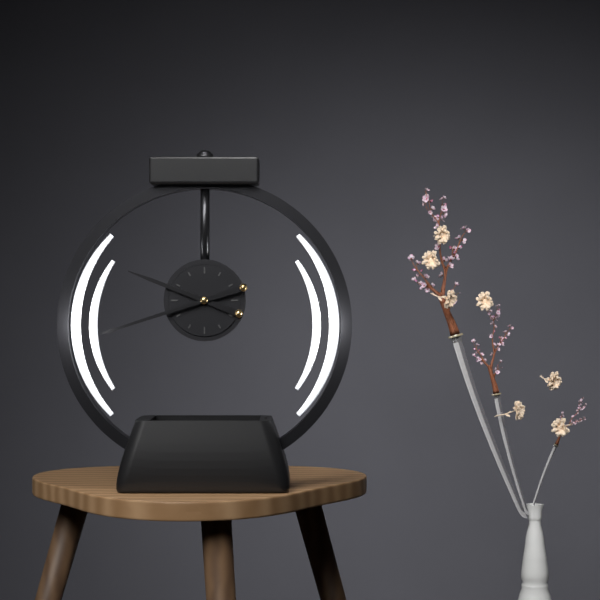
9:42
